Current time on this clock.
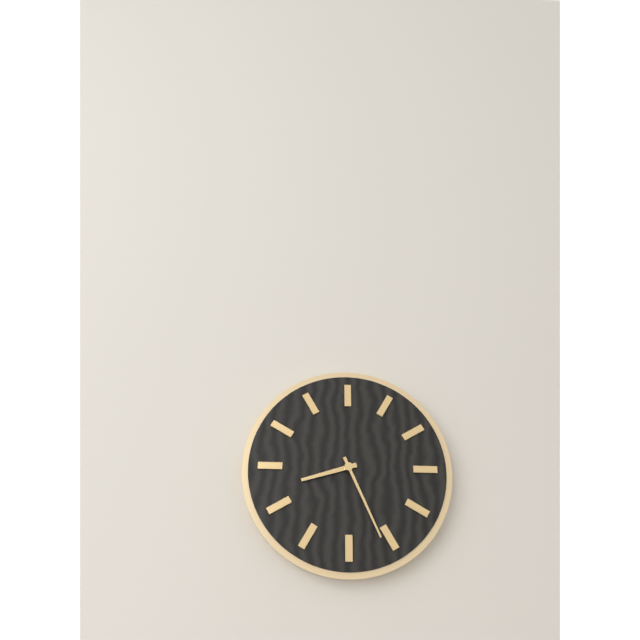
8:26
